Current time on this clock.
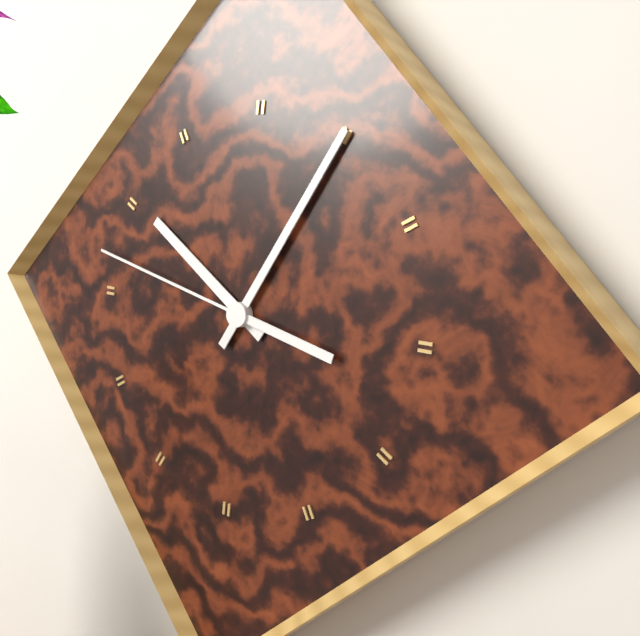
10:05:47
